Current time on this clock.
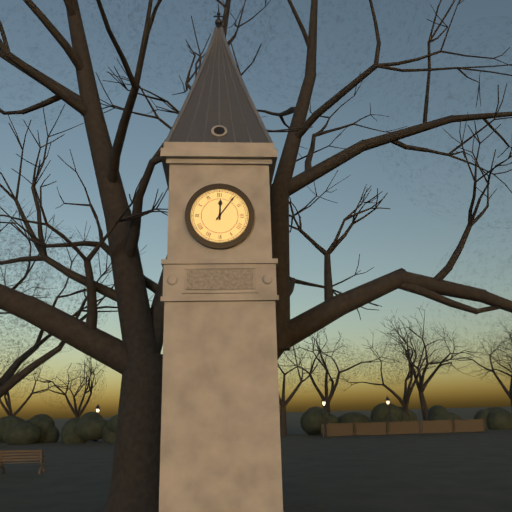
12:06
